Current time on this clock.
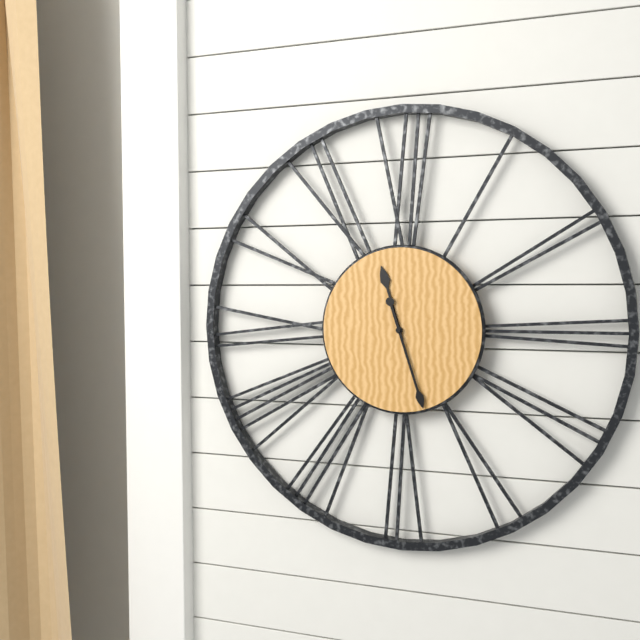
11:27
